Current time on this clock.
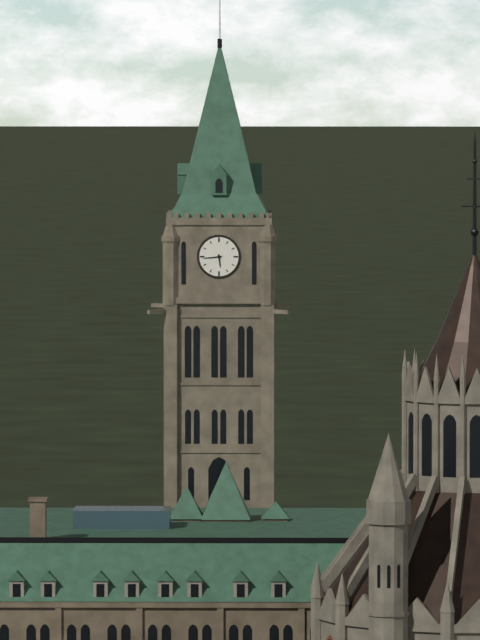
5:44
